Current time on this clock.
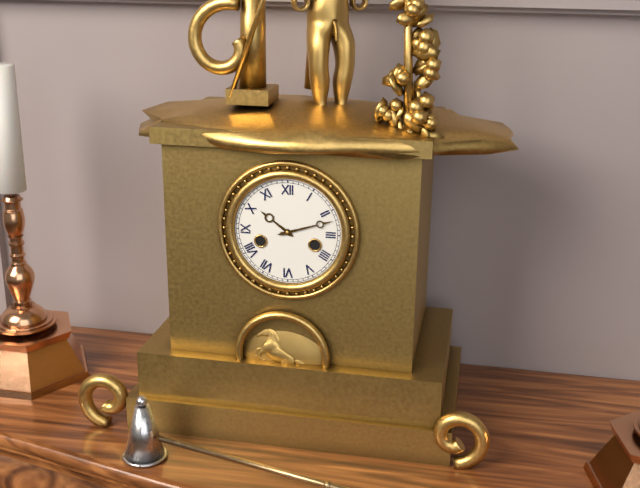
10:12
